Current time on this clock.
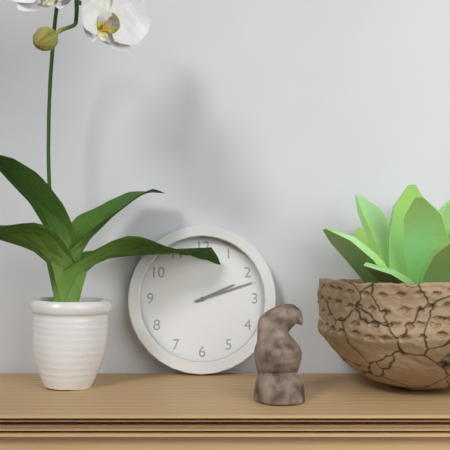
2:12
